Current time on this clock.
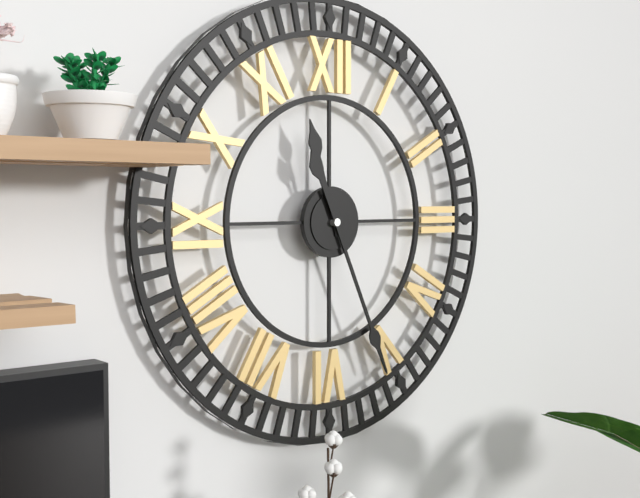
11:26
